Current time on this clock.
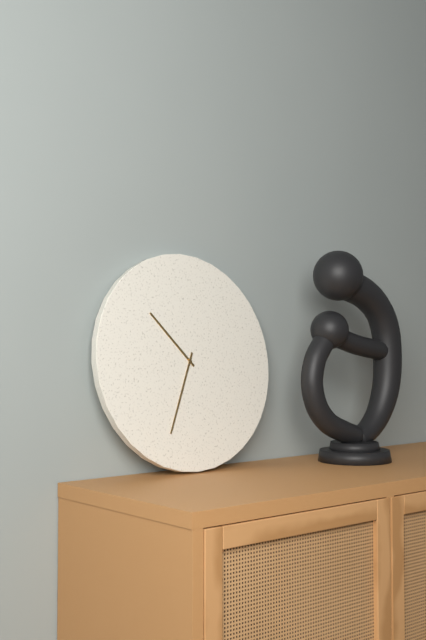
10:34
